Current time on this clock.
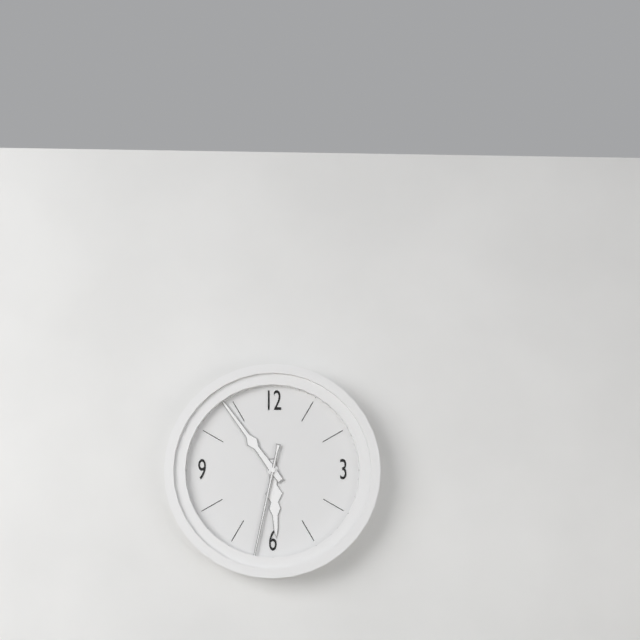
5:54:32
